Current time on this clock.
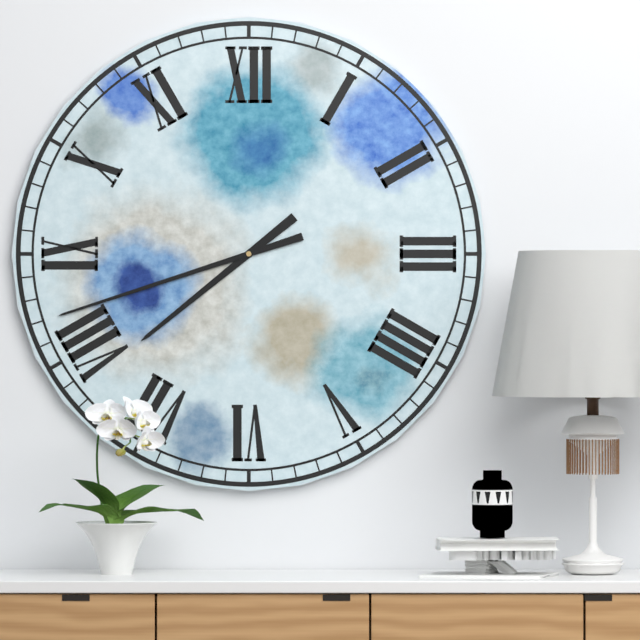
7:42
